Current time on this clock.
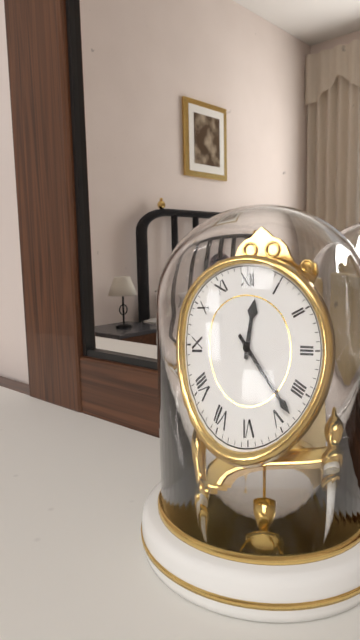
12:23
